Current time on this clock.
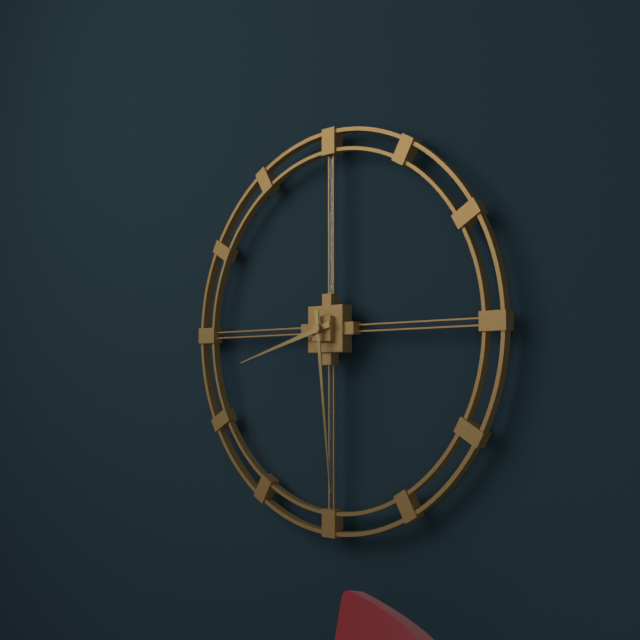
8:29
